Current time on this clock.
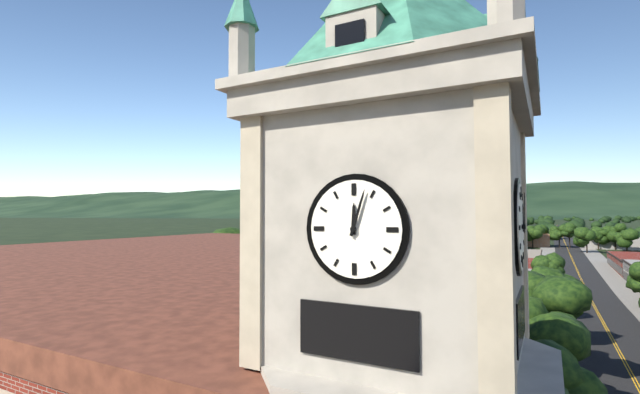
12:03
